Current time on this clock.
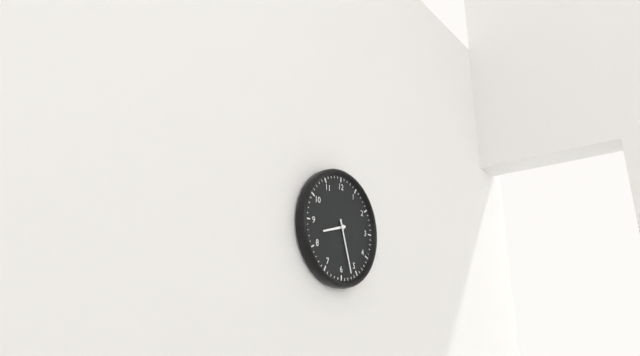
8:27
